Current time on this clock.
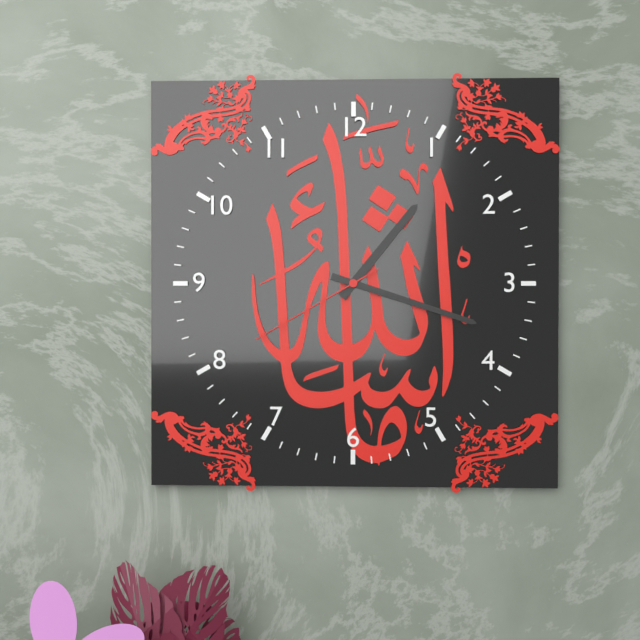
1:18:40
